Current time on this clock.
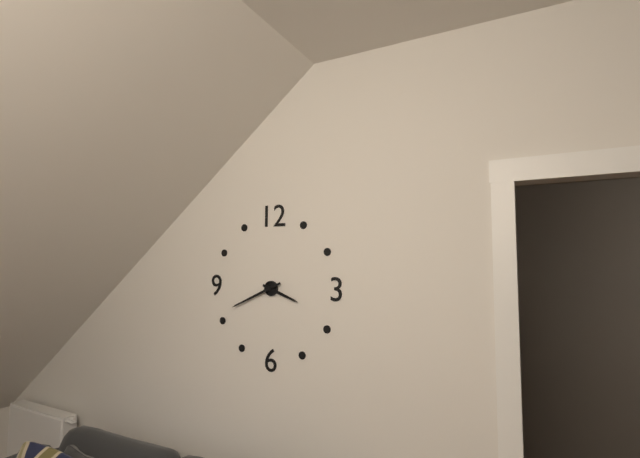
3:41
